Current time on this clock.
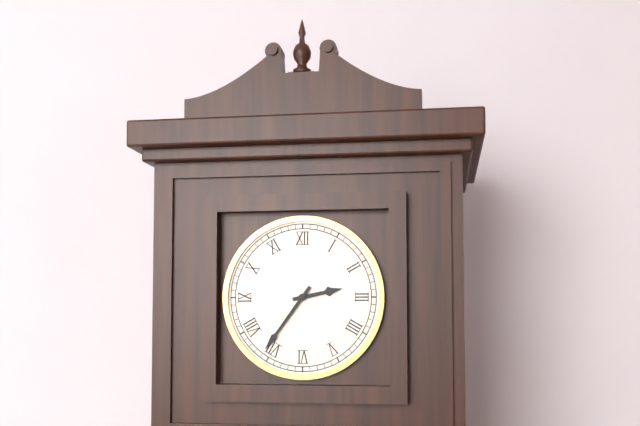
2:36
